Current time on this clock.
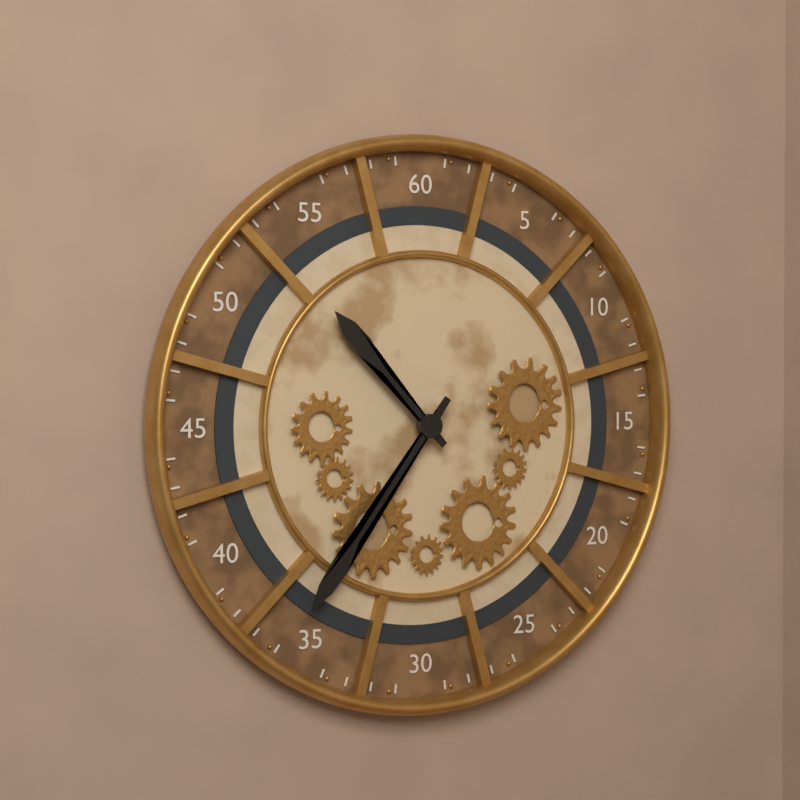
10:36
